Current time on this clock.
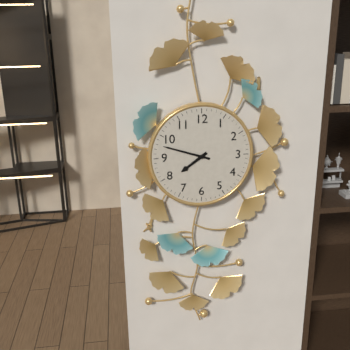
7:48
